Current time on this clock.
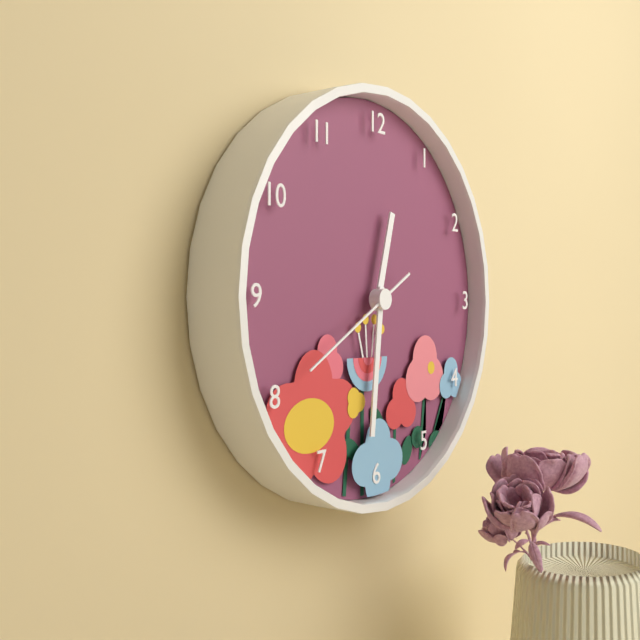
12:31:40
